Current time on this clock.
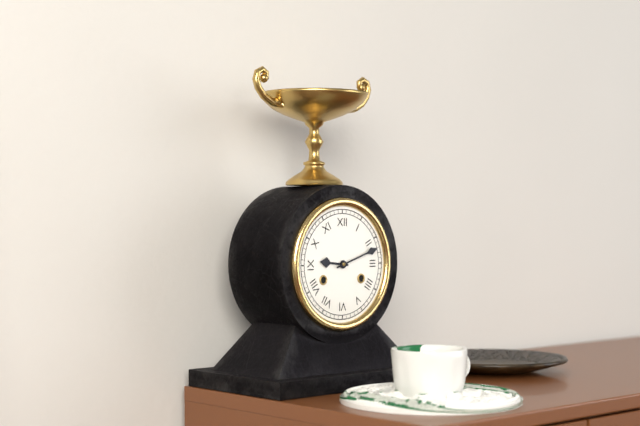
9:12
